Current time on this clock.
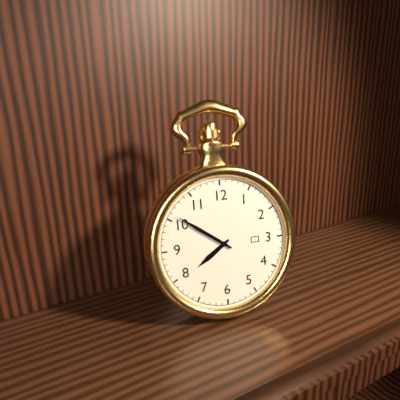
7:51
